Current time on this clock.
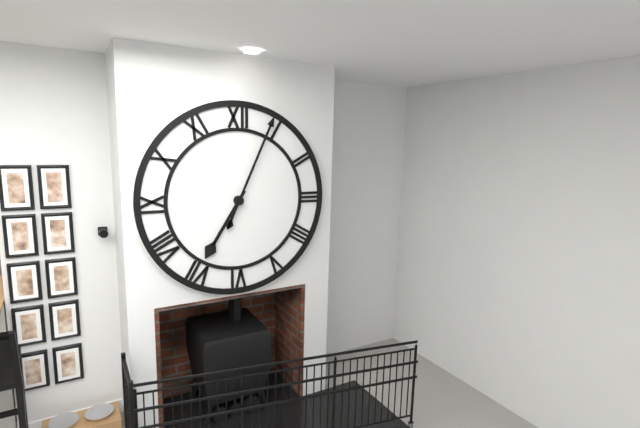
7:04
